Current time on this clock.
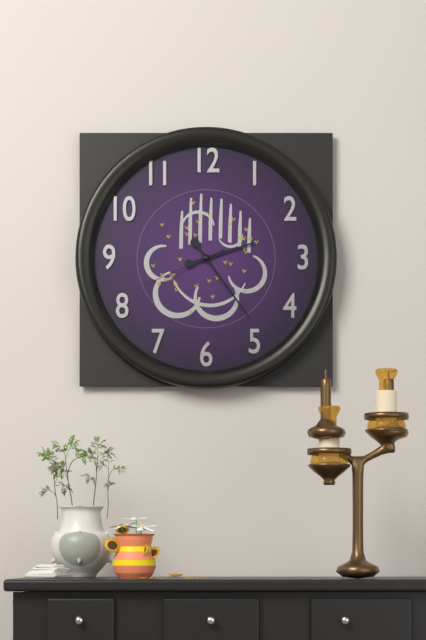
2:24:41
